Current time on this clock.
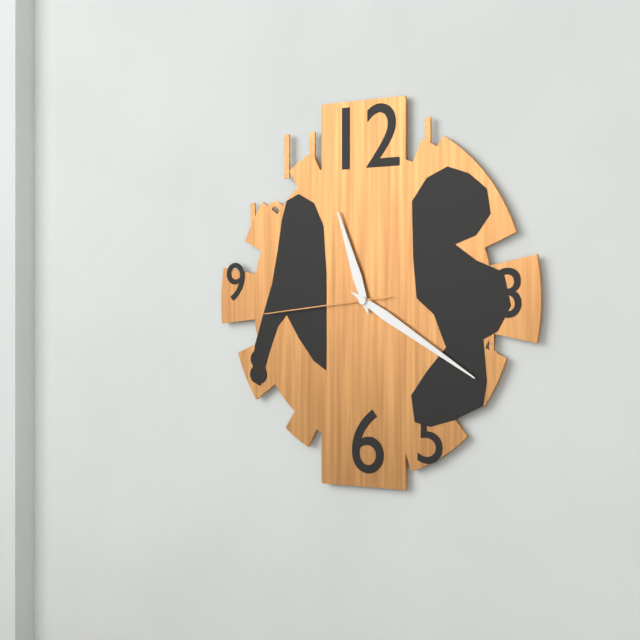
11:20:44
